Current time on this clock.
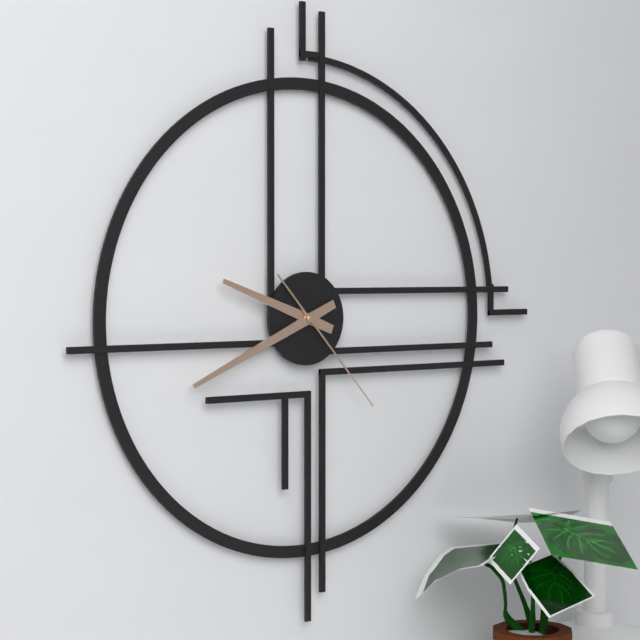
9:41:23
